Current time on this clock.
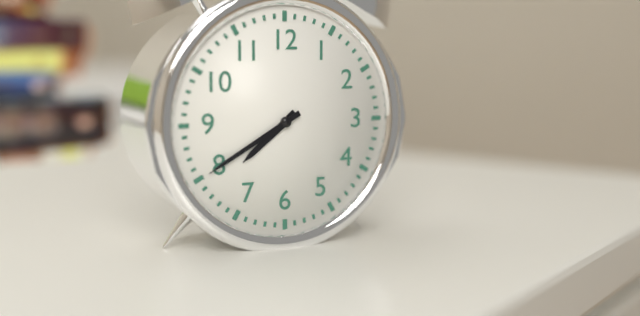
7:40
